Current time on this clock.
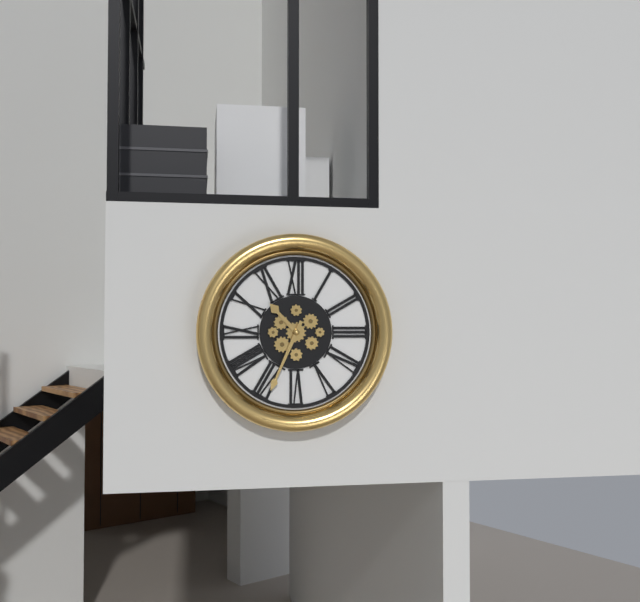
10:34
